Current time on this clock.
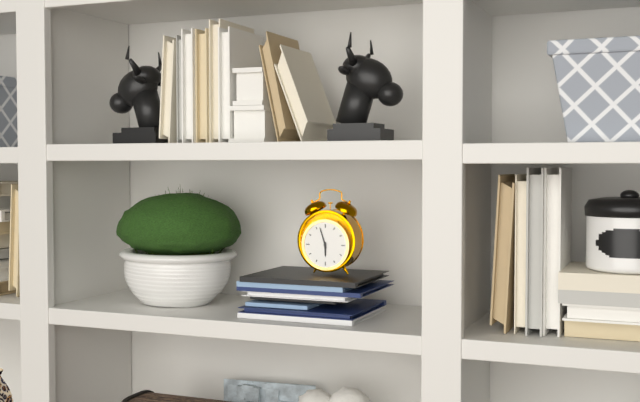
5:57
